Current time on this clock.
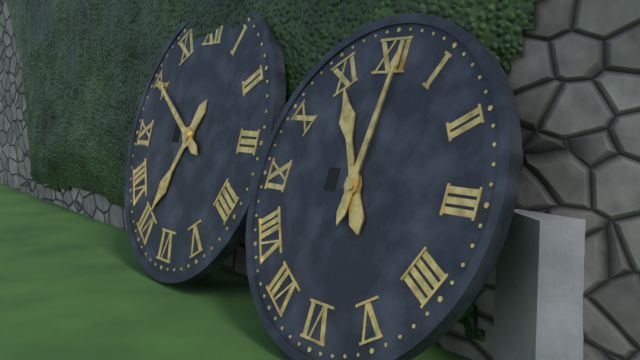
11:01
